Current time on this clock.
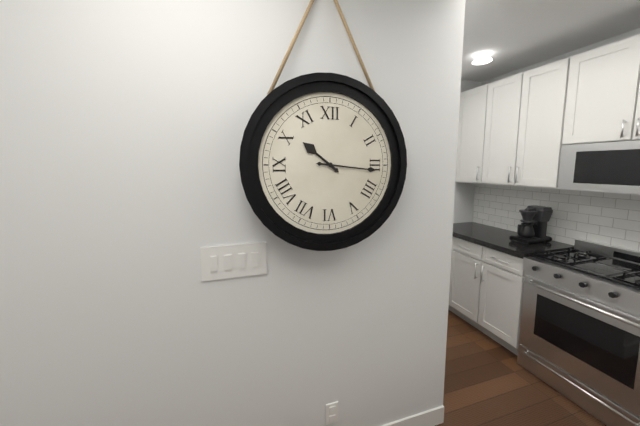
10:16
